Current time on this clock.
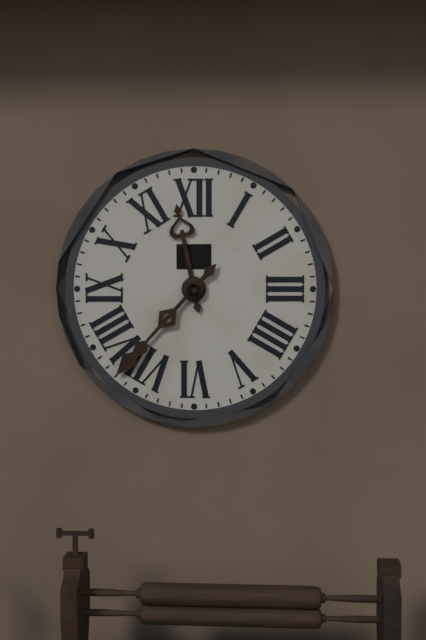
11:37
